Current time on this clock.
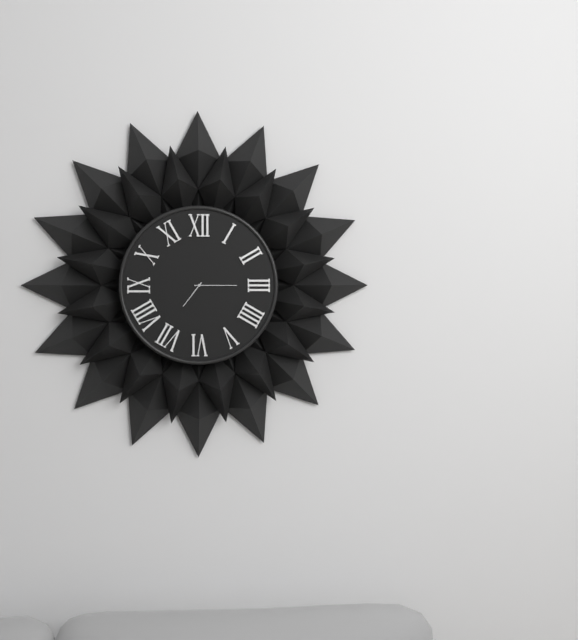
7:15
